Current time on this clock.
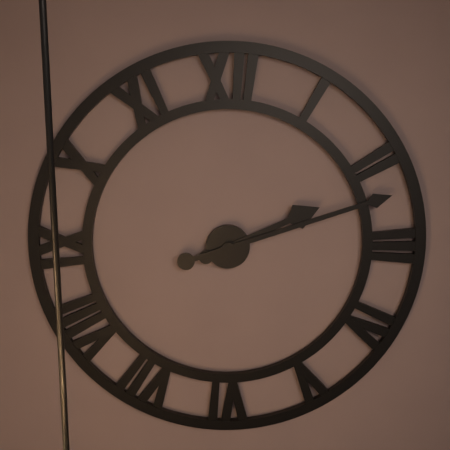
2:12
